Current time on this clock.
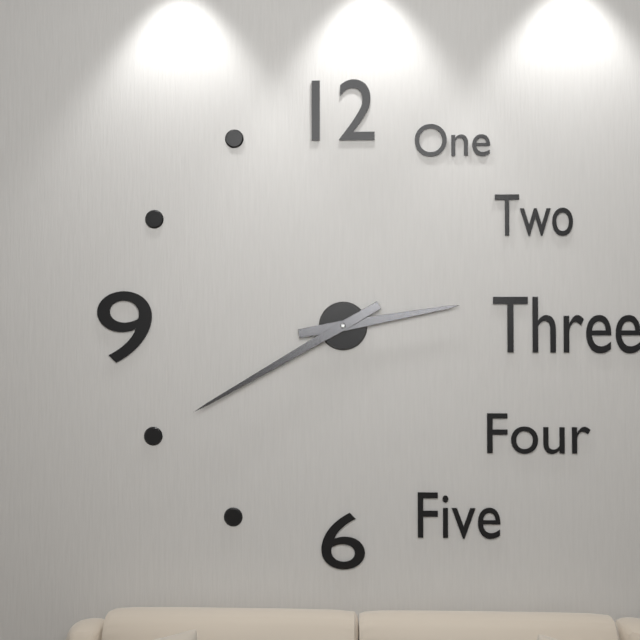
2:40
